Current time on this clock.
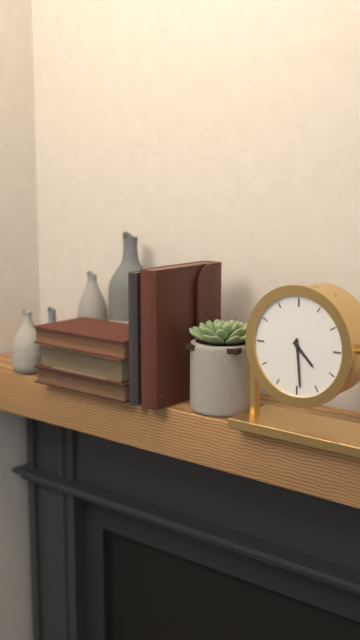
4:29
